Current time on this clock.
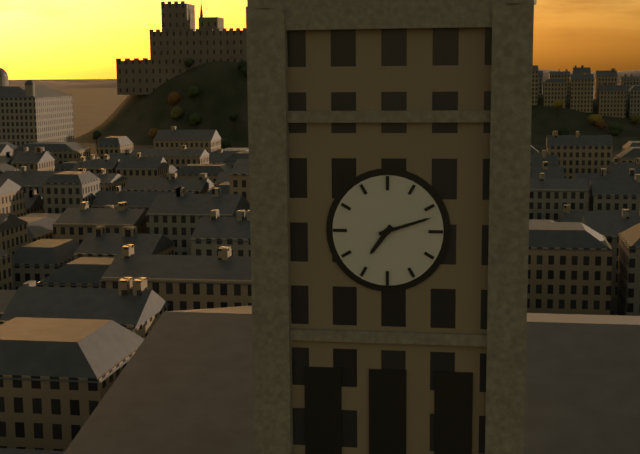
7:12
